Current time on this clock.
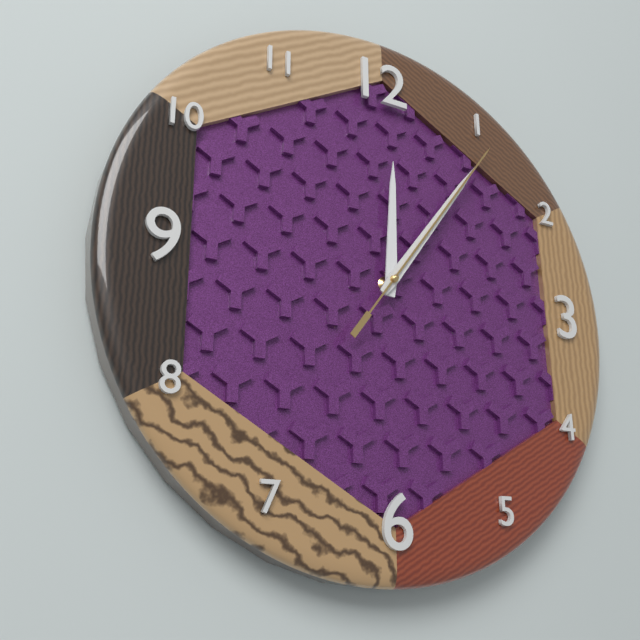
12:06:06
